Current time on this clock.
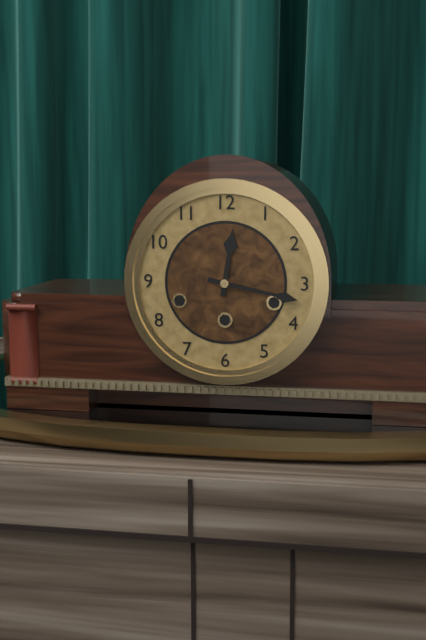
12:17
